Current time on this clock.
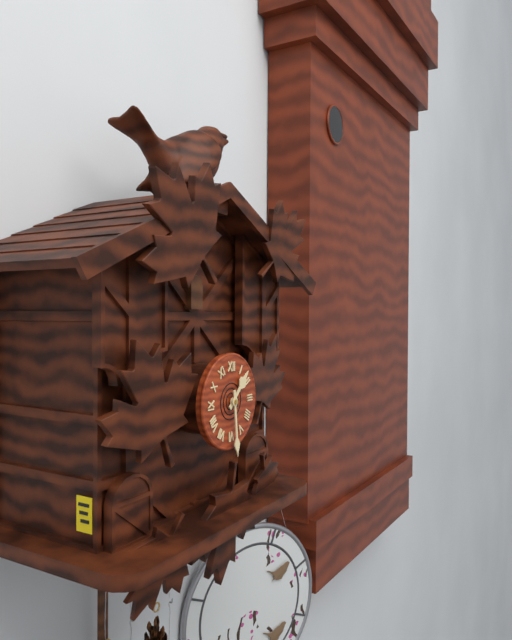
1:29
